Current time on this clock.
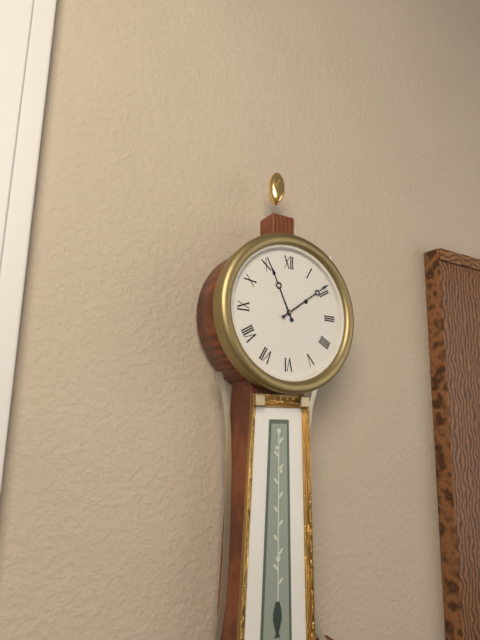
11:09
